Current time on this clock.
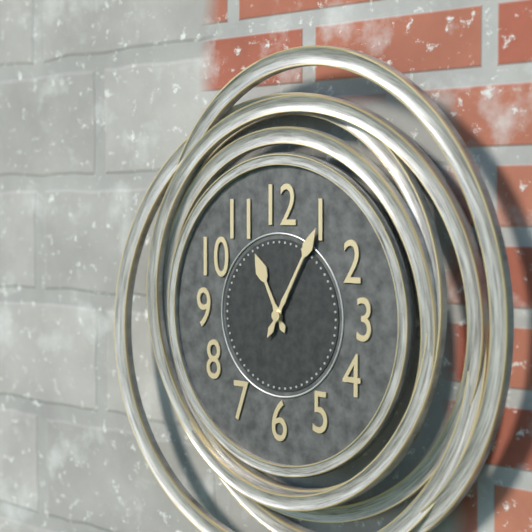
11:05
